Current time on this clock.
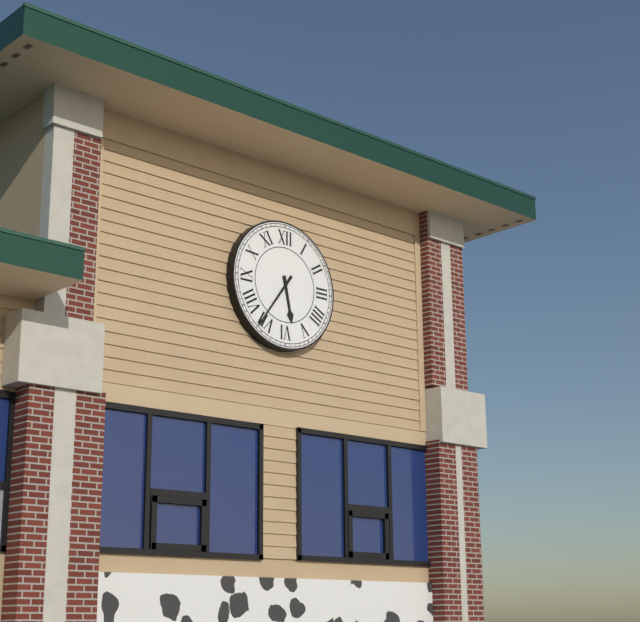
5:36
